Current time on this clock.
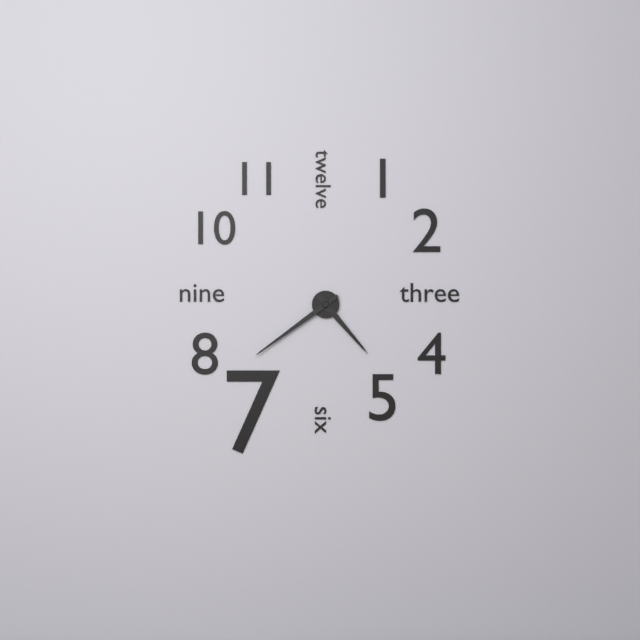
4:39
